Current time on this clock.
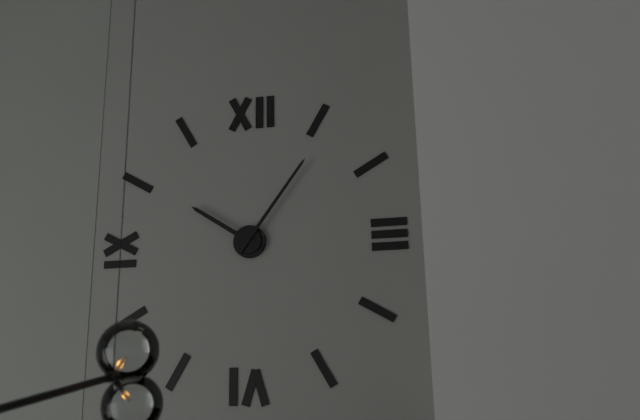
10:06
